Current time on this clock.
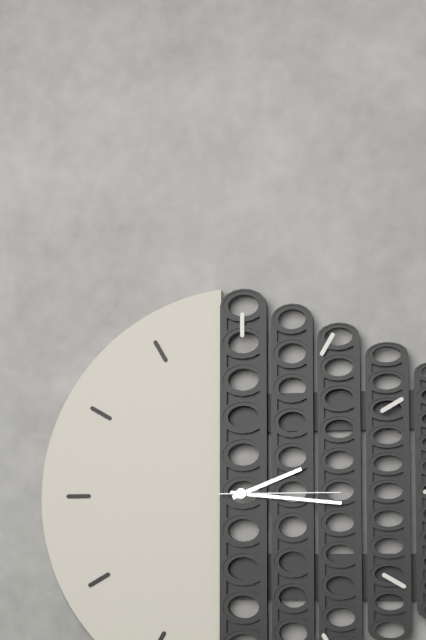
2:16:15
